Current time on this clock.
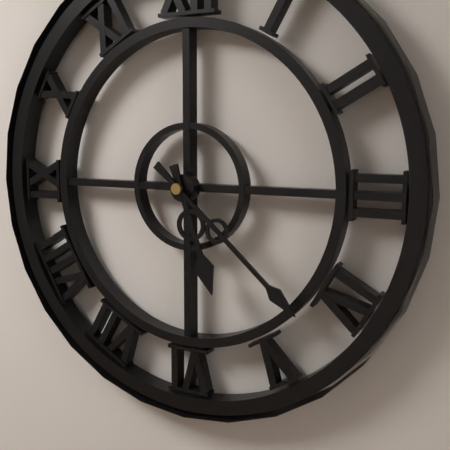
5:22
